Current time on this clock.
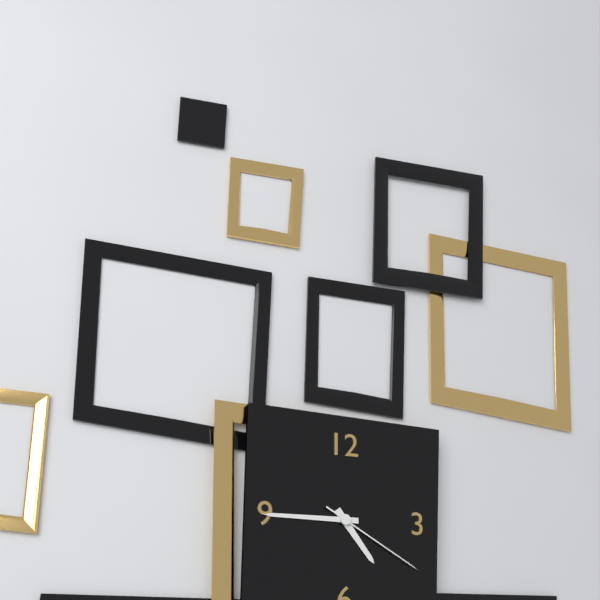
4:45:20
